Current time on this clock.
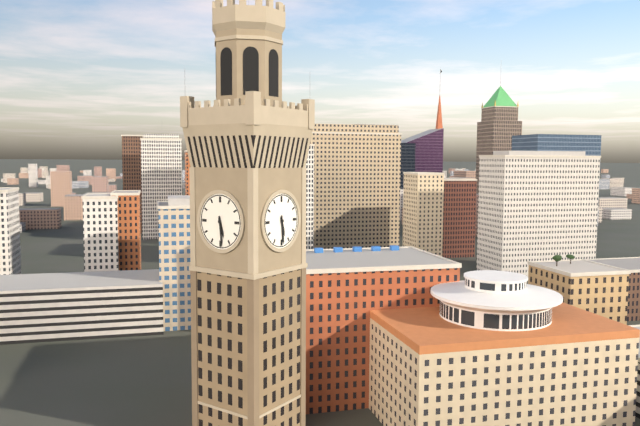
5:29
